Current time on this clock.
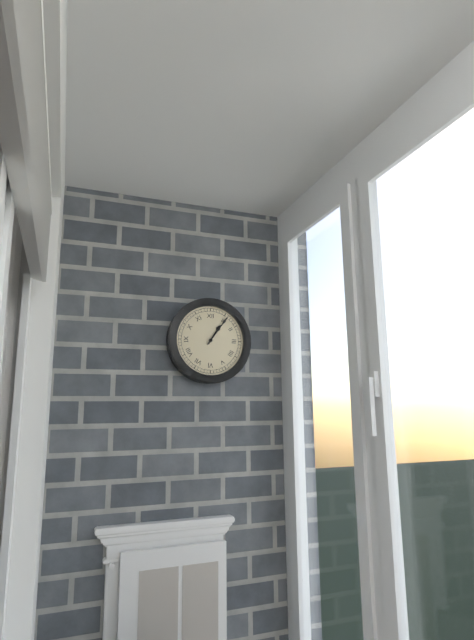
1:06
